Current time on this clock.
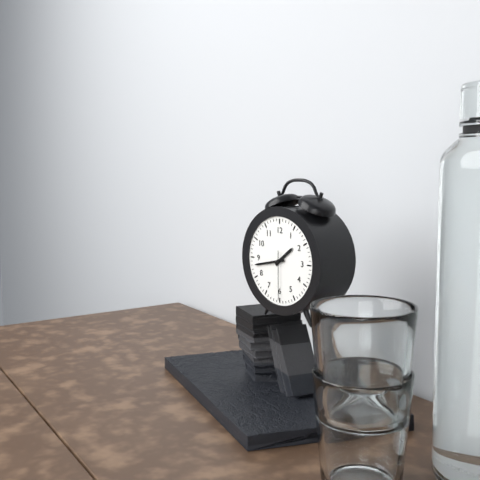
1:43
